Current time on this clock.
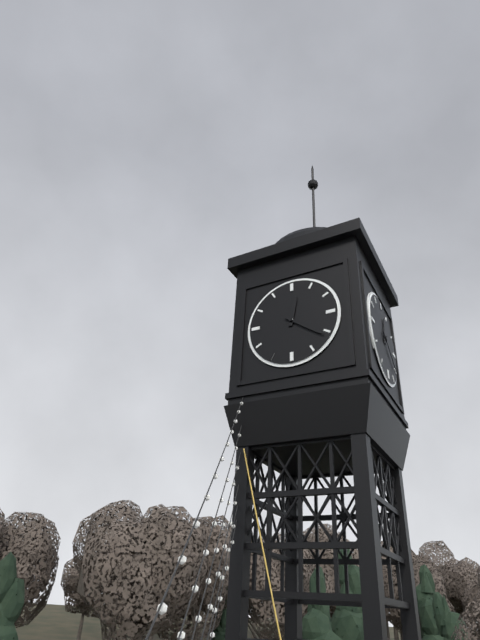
12:21
